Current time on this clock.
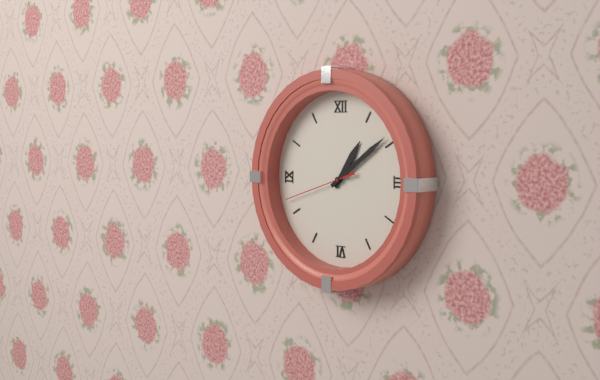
1:09:42
